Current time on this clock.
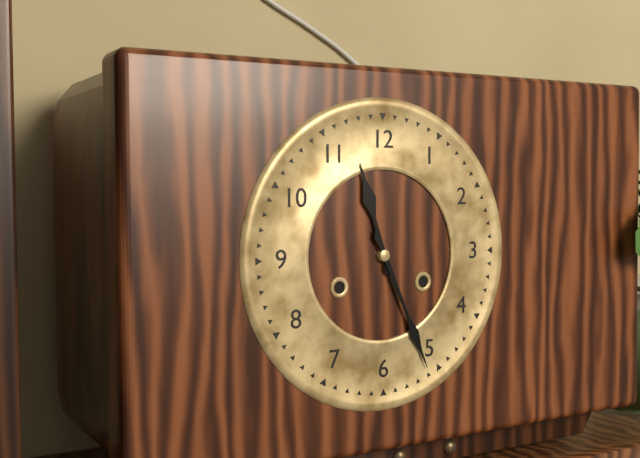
11:26
